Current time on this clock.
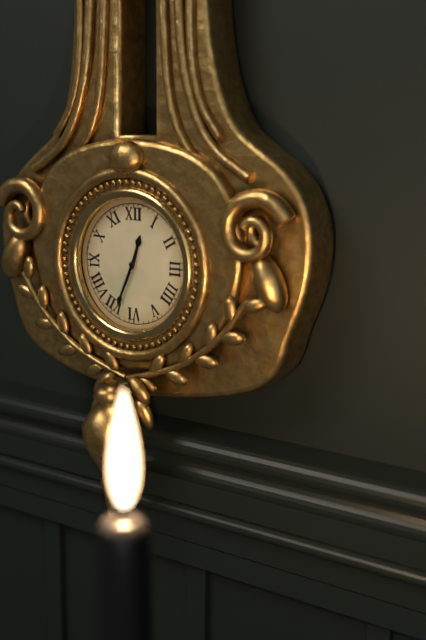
12:34
